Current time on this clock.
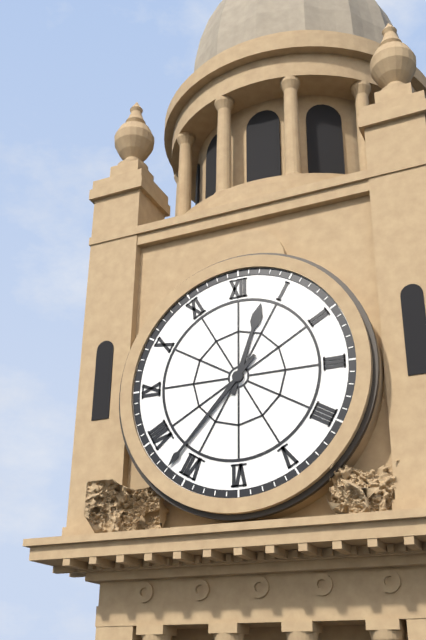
12:37
